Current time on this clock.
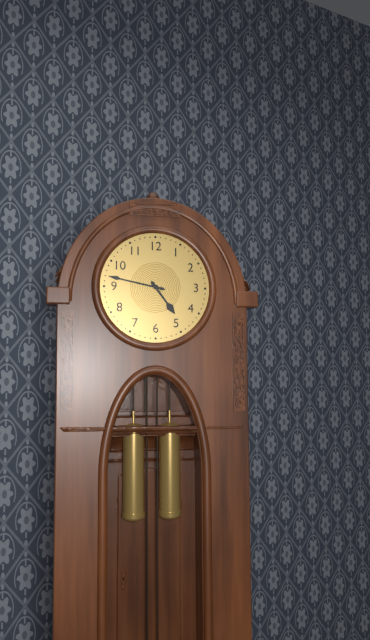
4:47
